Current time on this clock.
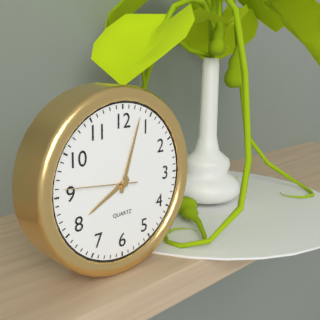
8:03:46
